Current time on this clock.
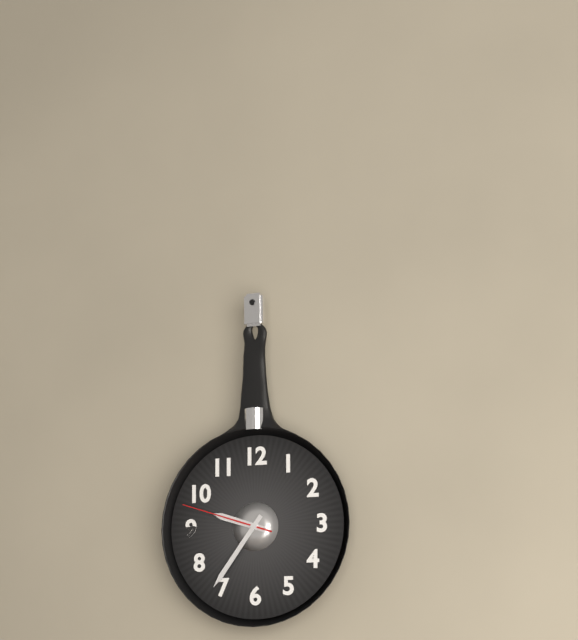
9:36:48
